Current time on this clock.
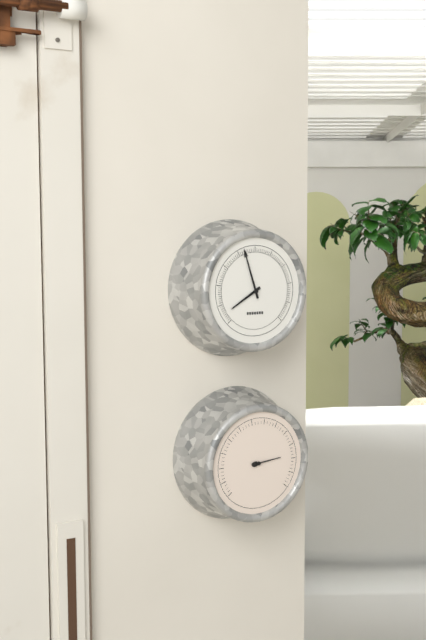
7:57
